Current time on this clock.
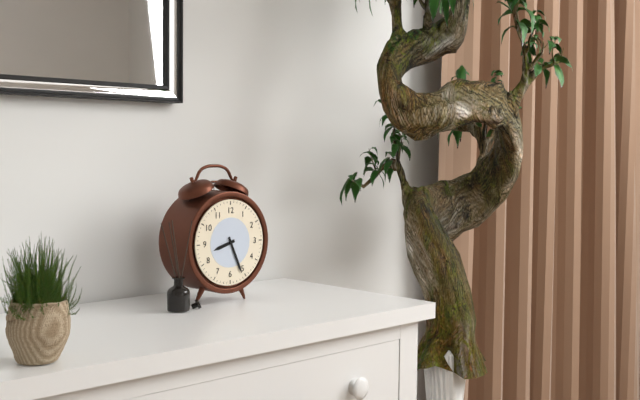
8:26
